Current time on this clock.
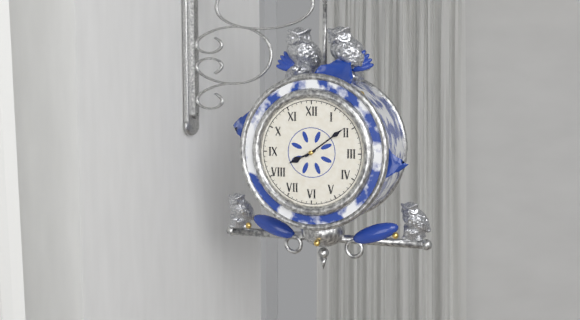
8:09
